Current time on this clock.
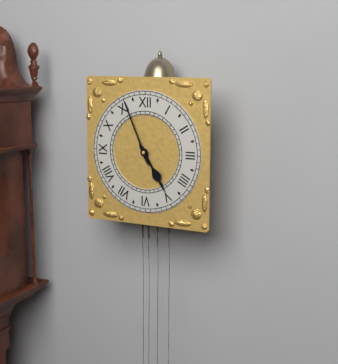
4:56
